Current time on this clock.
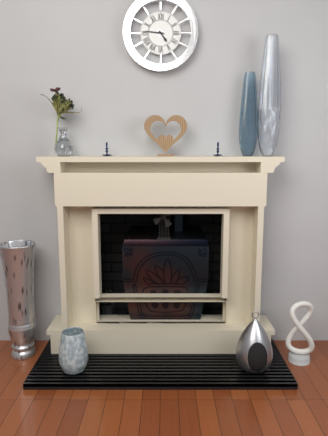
4:46
